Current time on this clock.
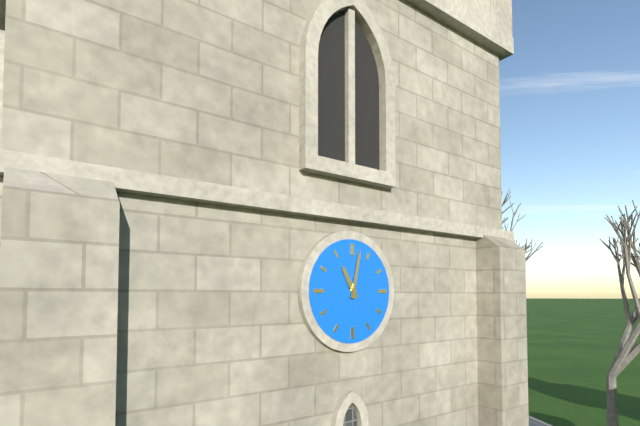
11:02
